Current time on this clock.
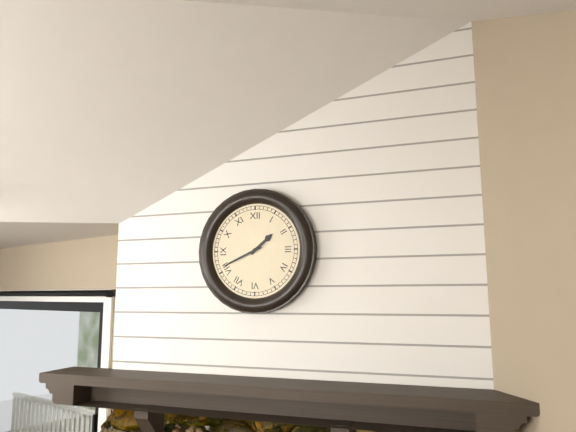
1:41
